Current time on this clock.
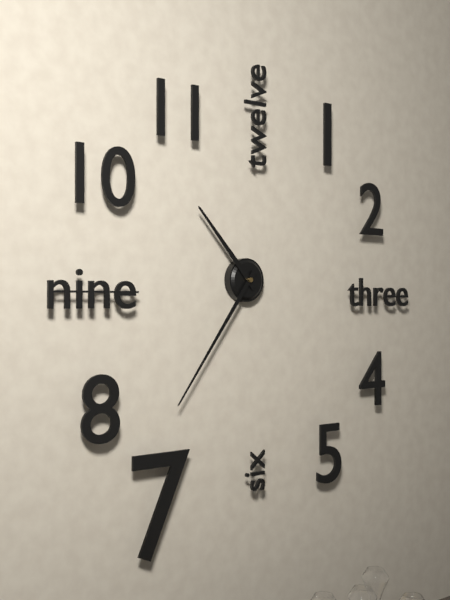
10:36
